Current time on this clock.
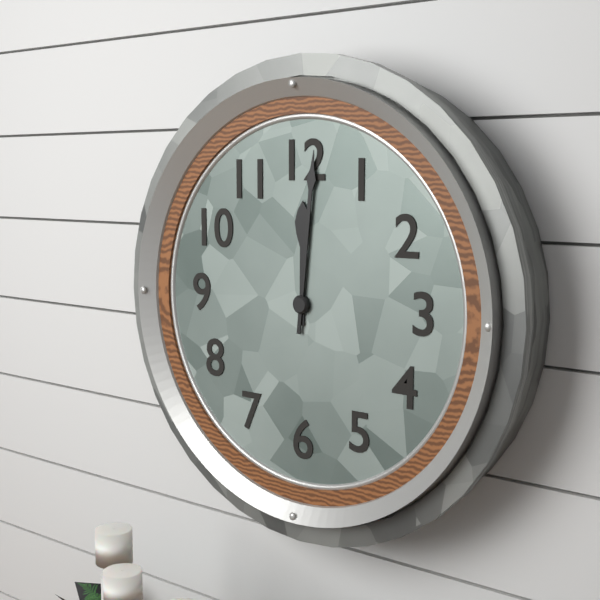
12:01
